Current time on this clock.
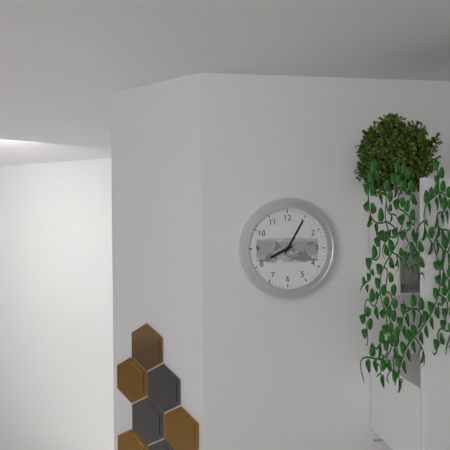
8:05
